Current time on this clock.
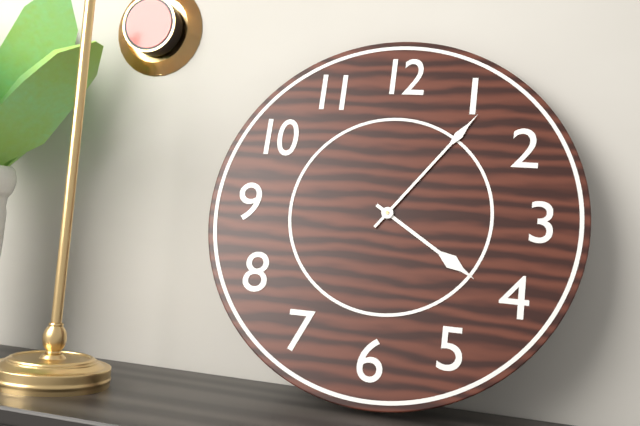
4:06
